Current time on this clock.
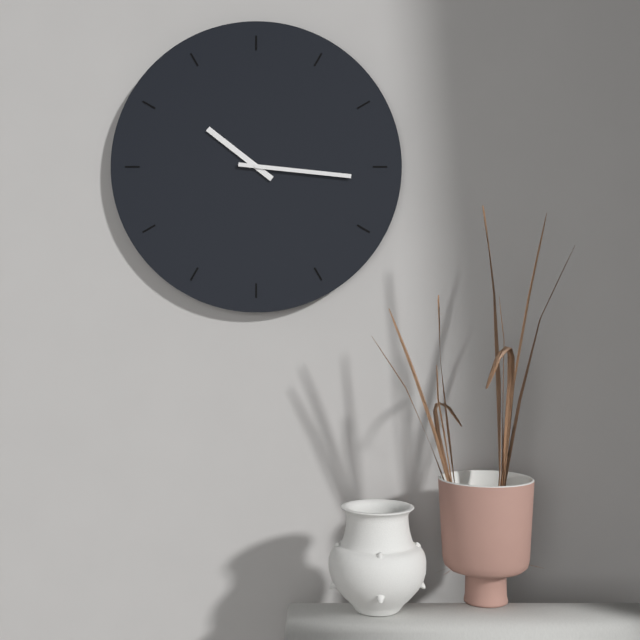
10:16
